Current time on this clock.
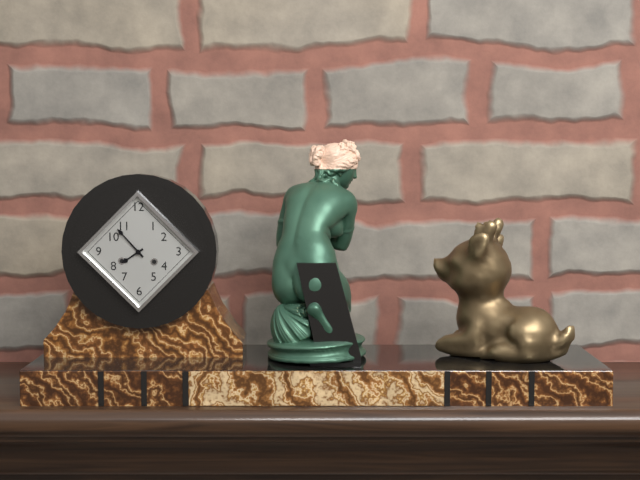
7:53
